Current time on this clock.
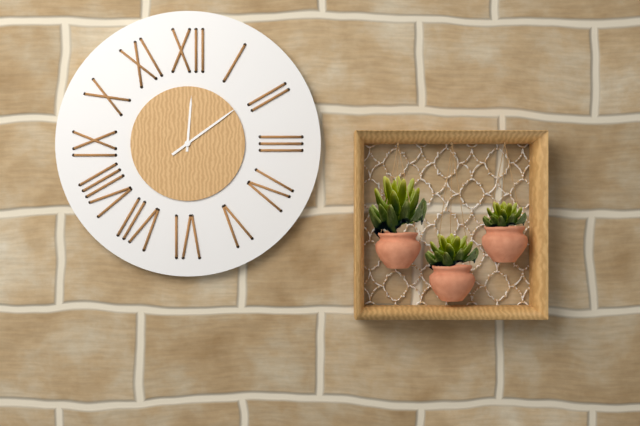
12:09
